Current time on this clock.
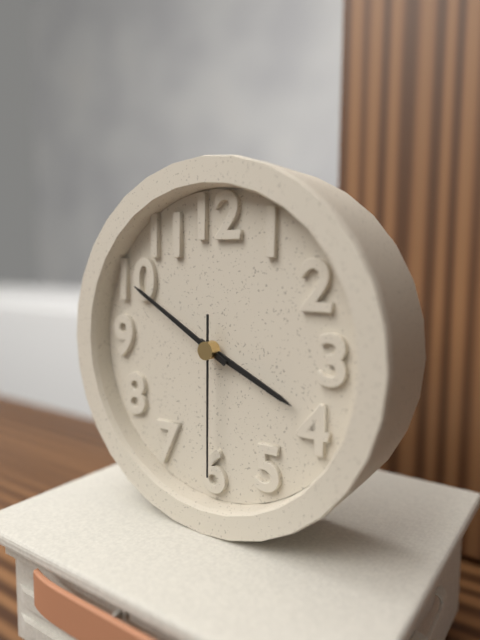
3:50:30
